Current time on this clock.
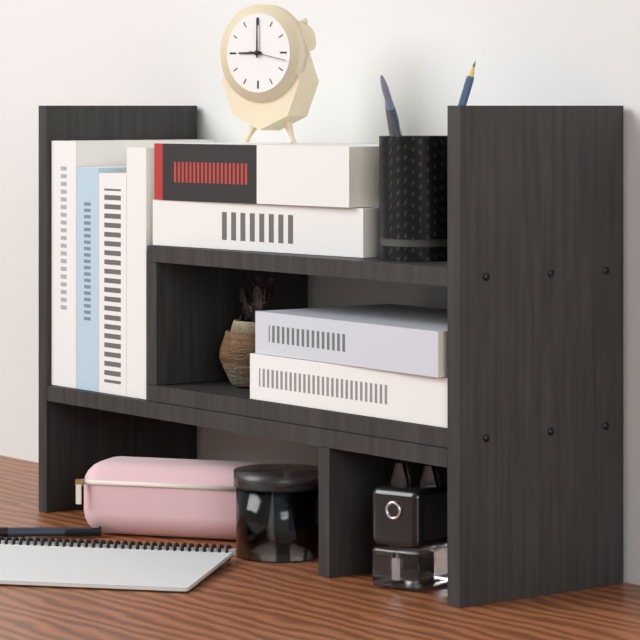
9:00
